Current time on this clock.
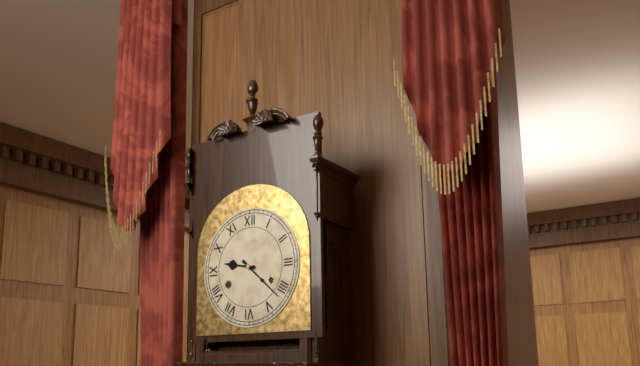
9:22
